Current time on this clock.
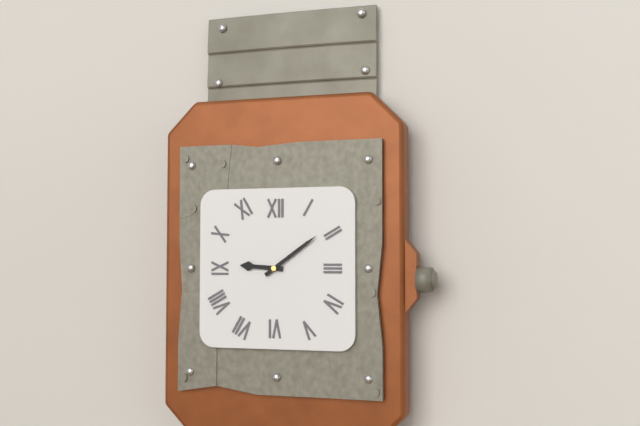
9:09
